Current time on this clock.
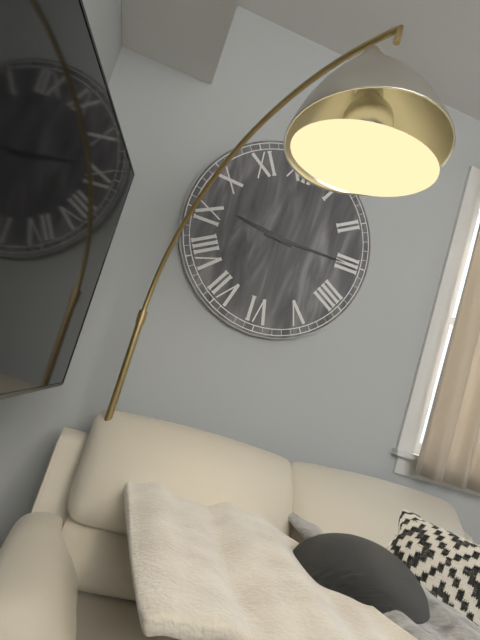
9:15
